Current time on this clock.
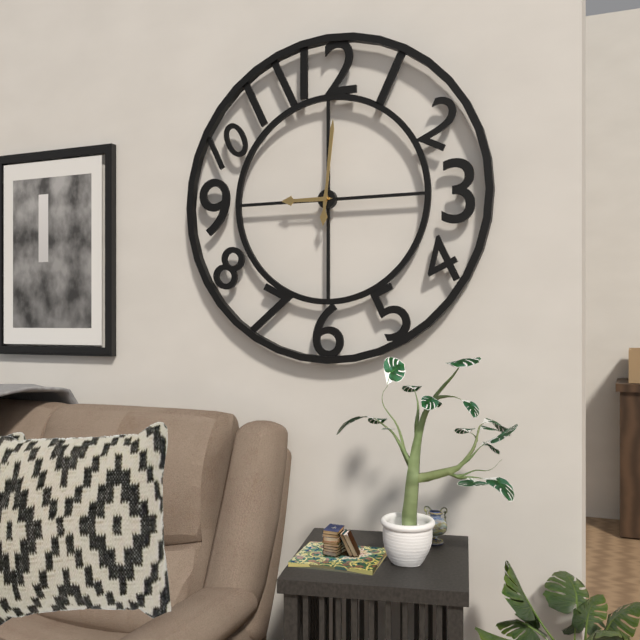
9:01
